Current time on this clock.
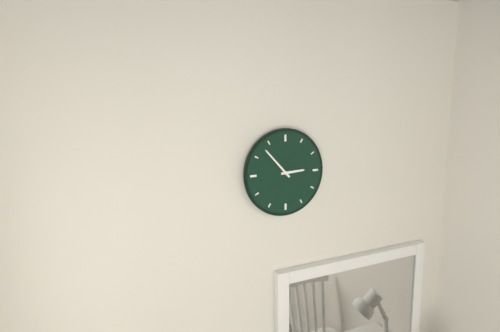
2:53
